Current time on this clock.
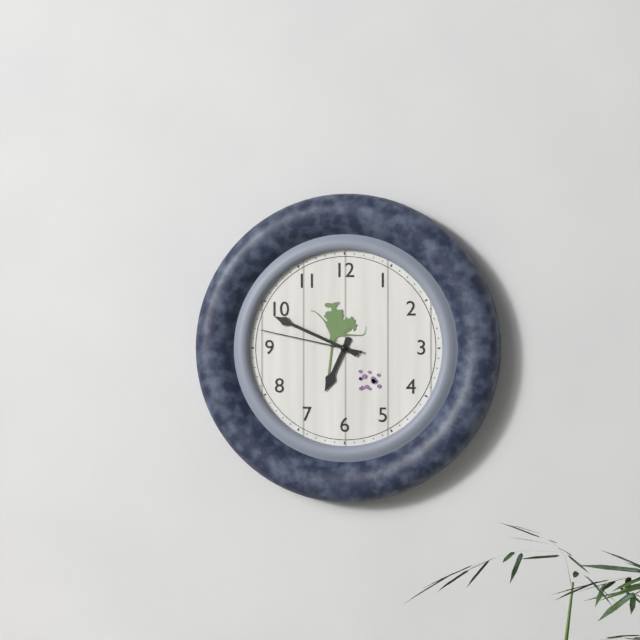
6:49:47
